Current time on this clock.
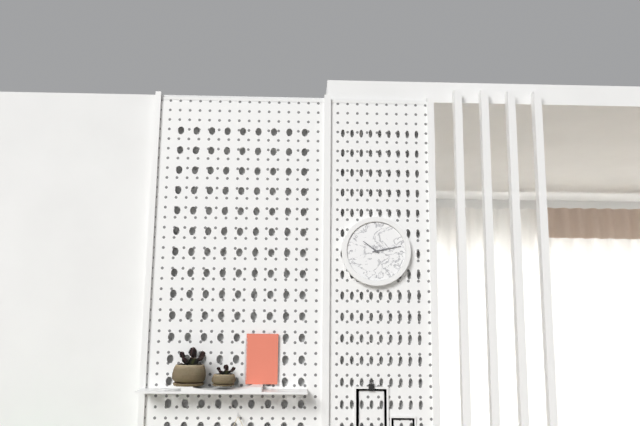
10:13
